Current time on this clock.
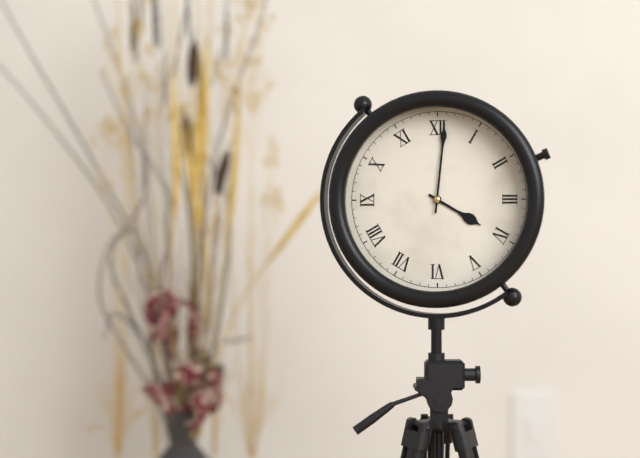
4:01
